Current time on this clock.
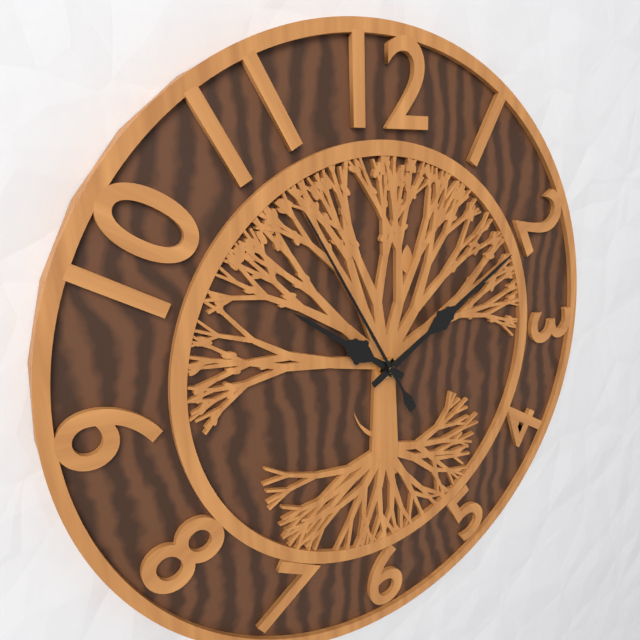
10:10:55
